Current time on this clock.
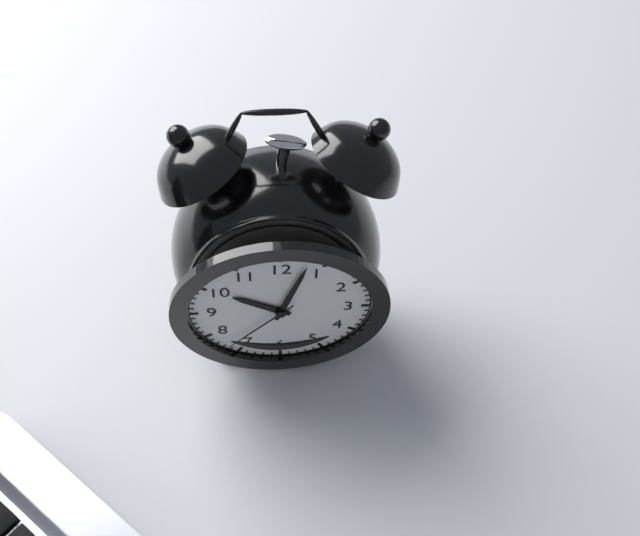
10:03:37
